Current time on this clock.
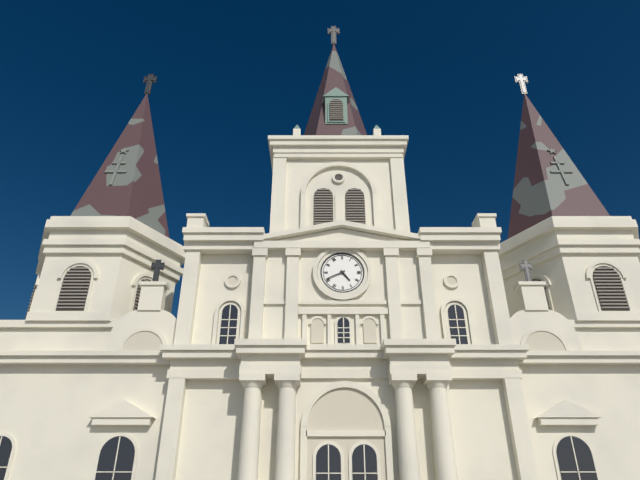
4:41
